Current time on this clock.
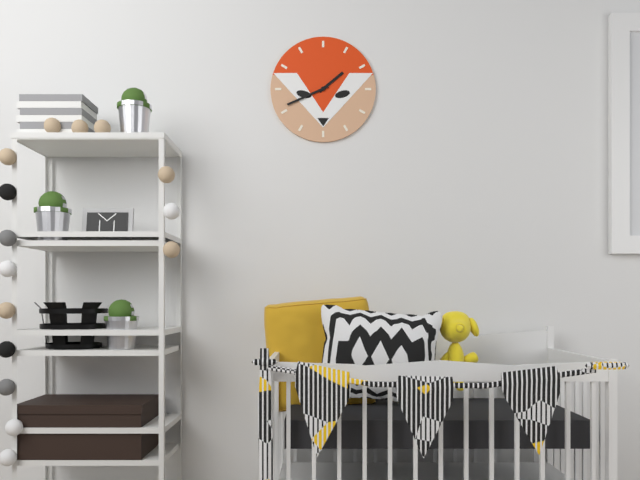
1:41
